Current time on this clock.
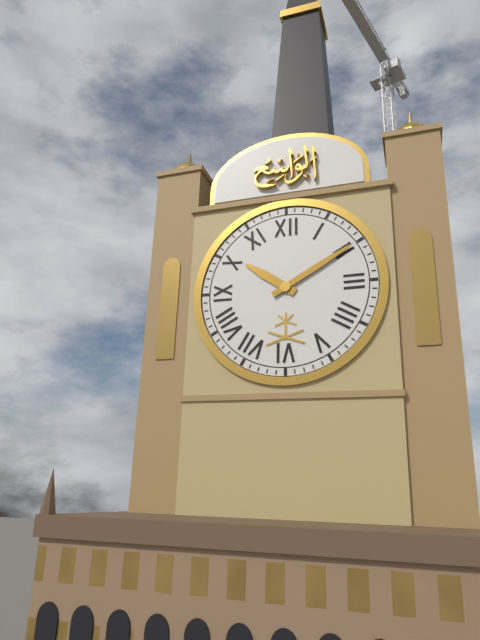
10:10
